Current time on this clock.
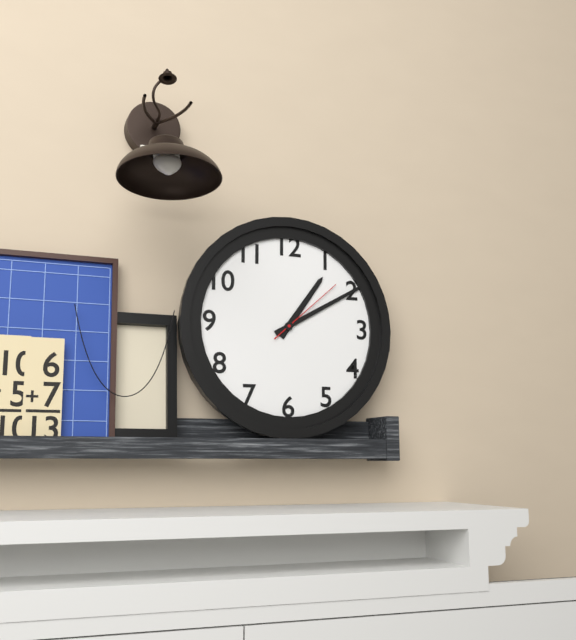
1:10:08
